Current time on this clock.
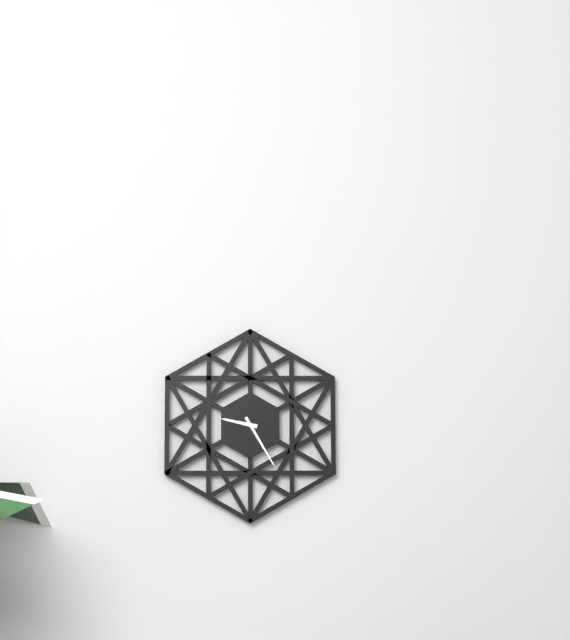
9:25
